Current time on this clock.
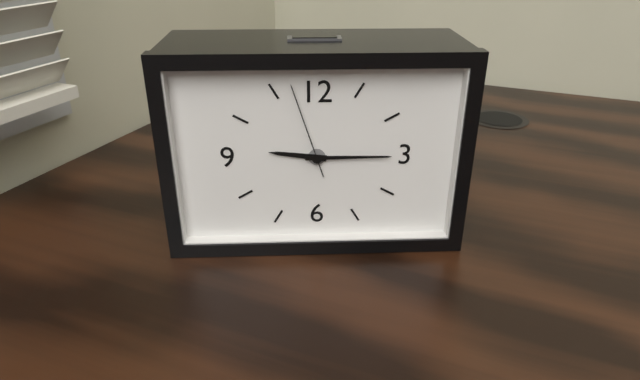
9:15:57
